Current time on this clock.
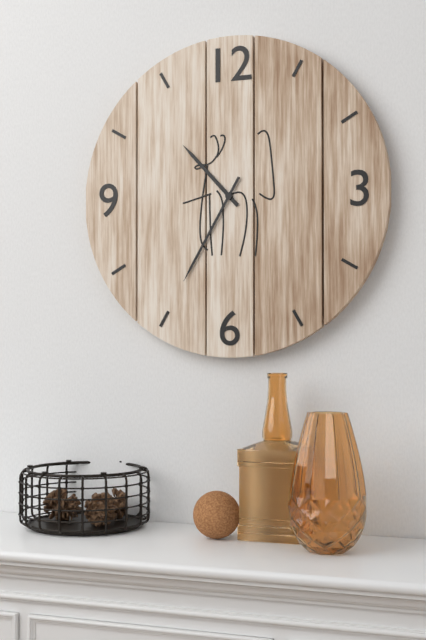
10:35
